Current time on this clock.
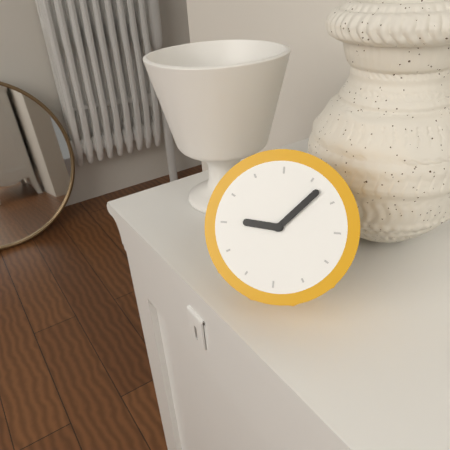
9:07
